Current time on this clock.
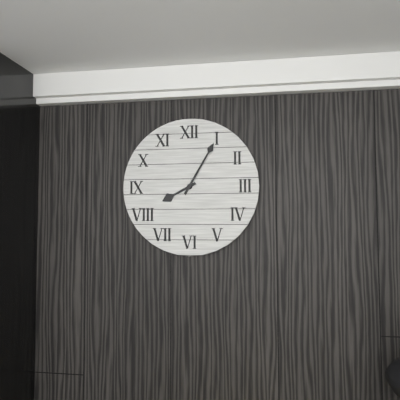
8:05
